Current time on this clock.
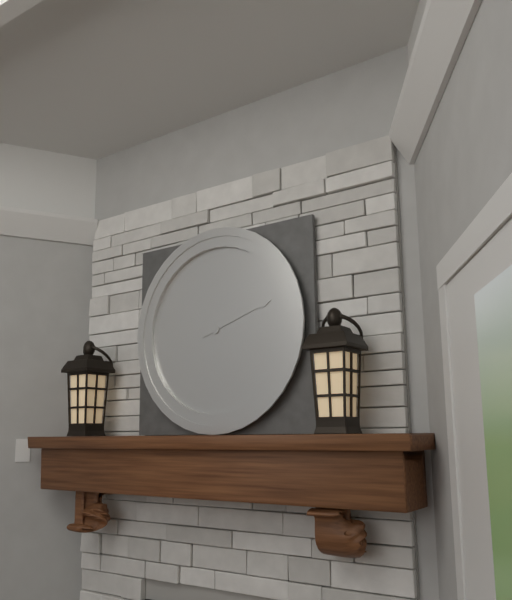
10:12
